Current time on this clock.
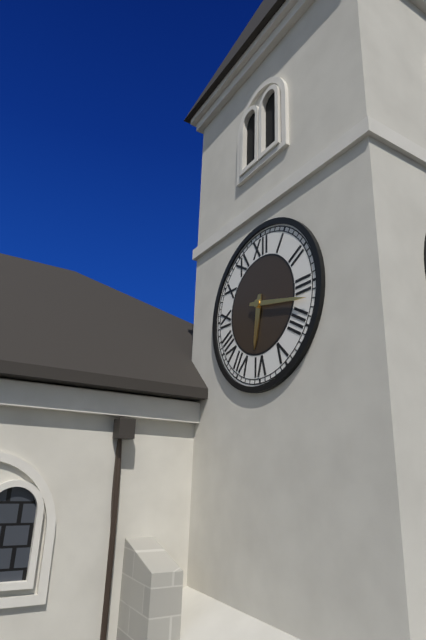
6:17
